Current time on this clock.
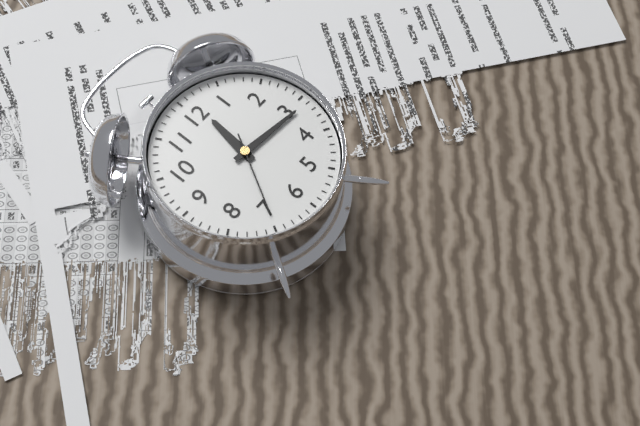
12:16:35
